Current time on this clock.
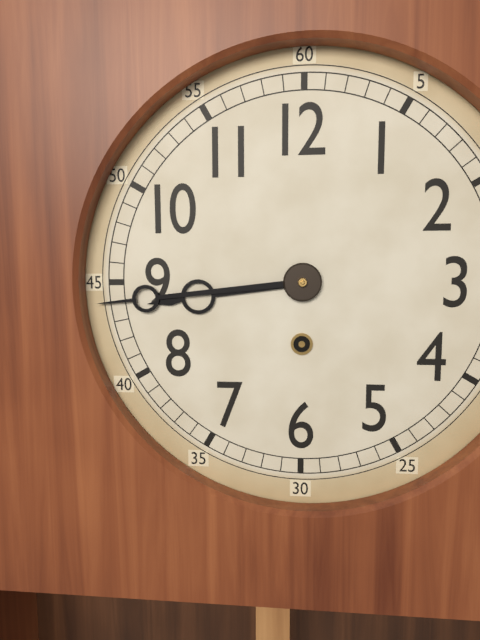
8:44
